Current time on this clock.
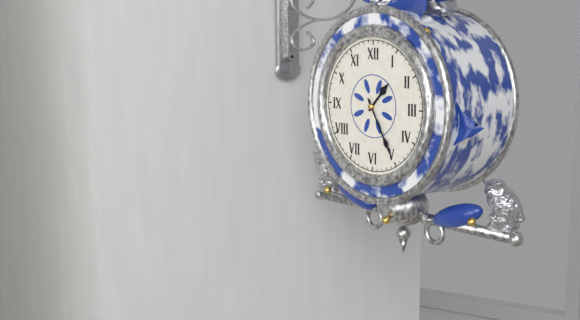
1:25
